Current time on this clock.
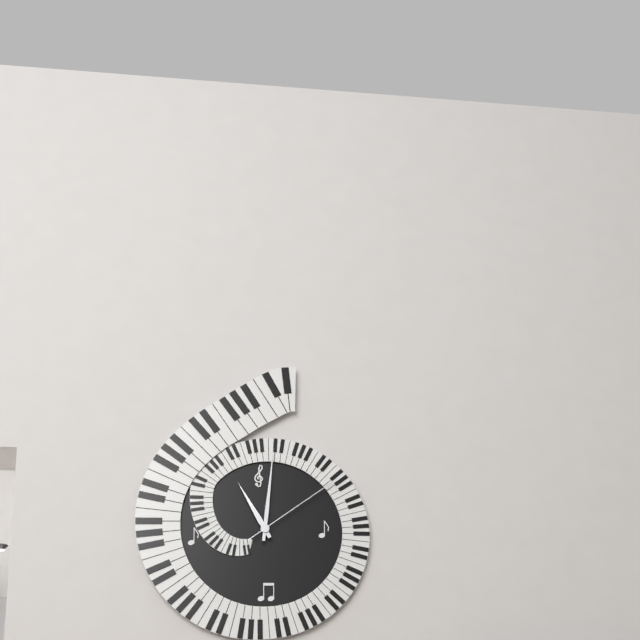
11:01:09
